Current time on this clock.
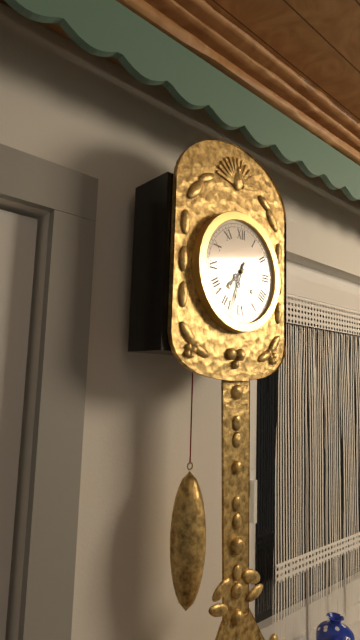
7:33
